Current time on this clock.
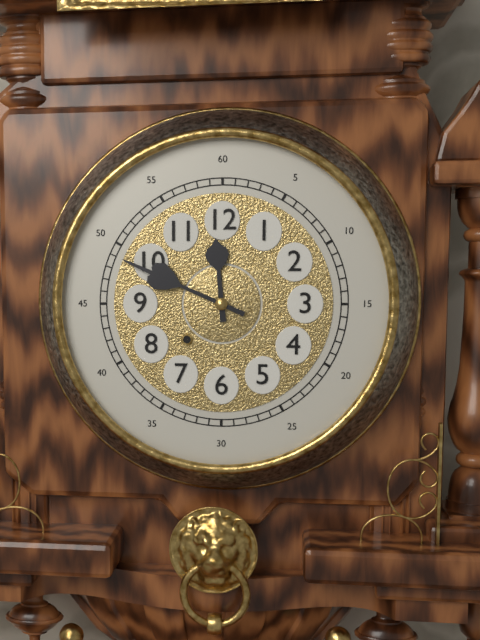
11:49
